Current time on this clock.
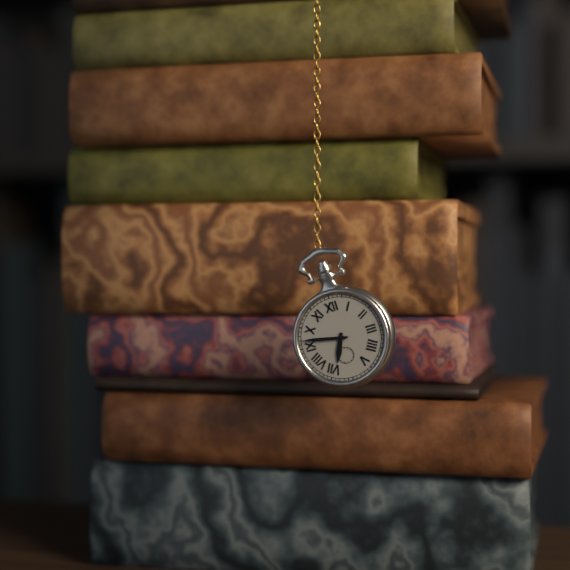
6:47
